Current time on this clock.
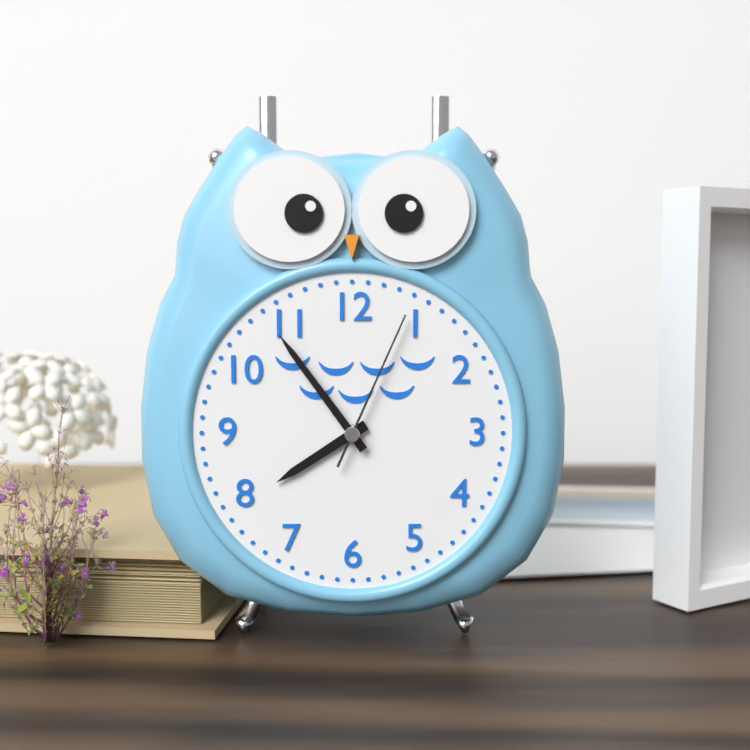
7:54:04
